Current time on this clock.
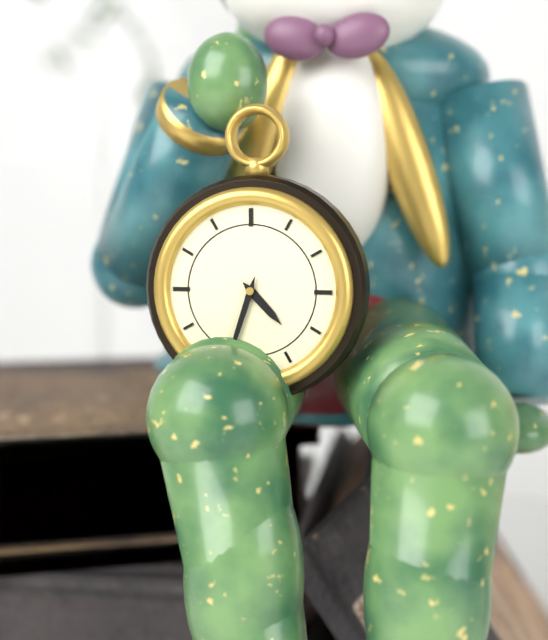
4:33
